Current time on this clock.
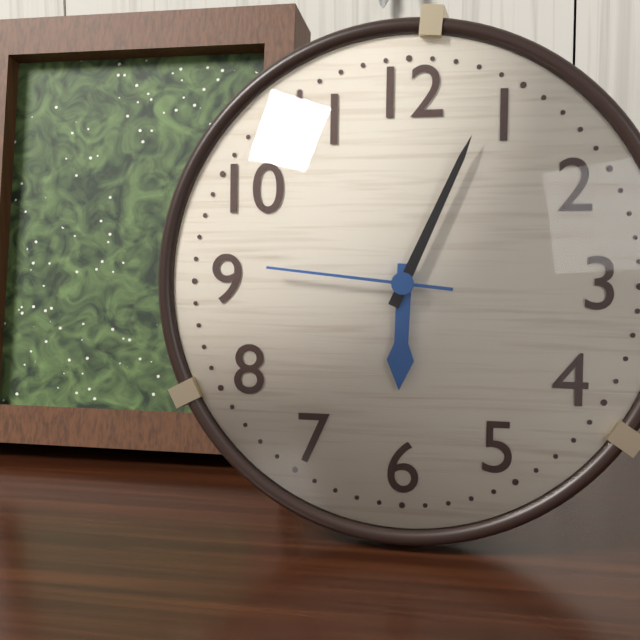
6:04:46
